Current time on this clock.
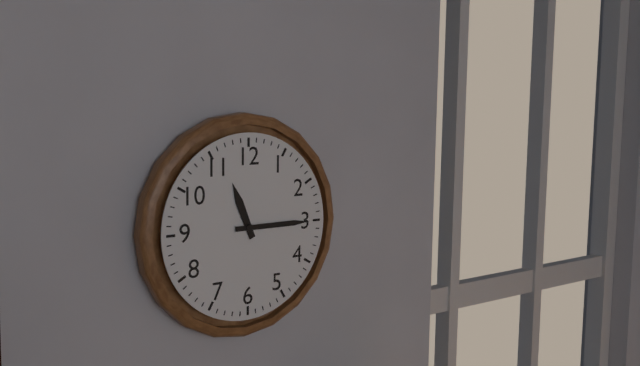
11:15
